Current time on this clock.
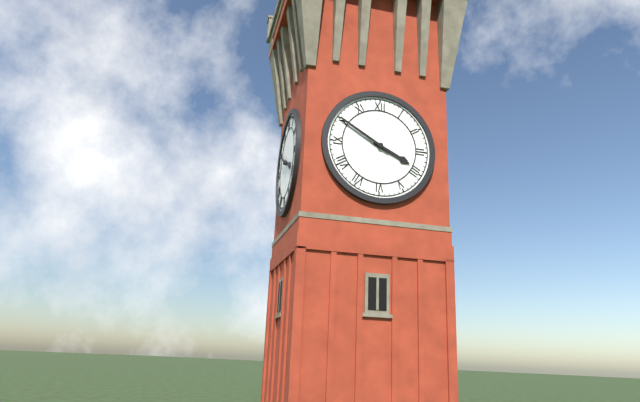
3:50
